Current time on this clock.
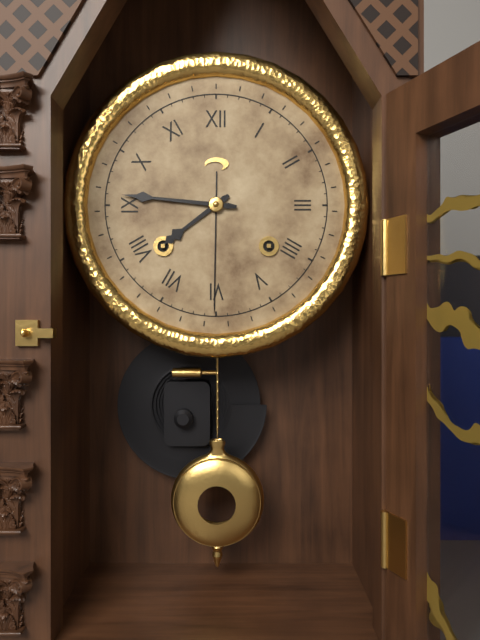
7:46
